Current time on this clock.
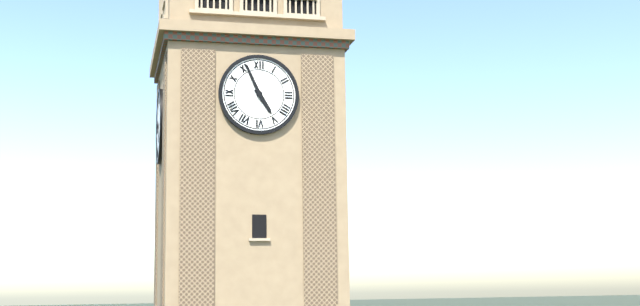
4:56
